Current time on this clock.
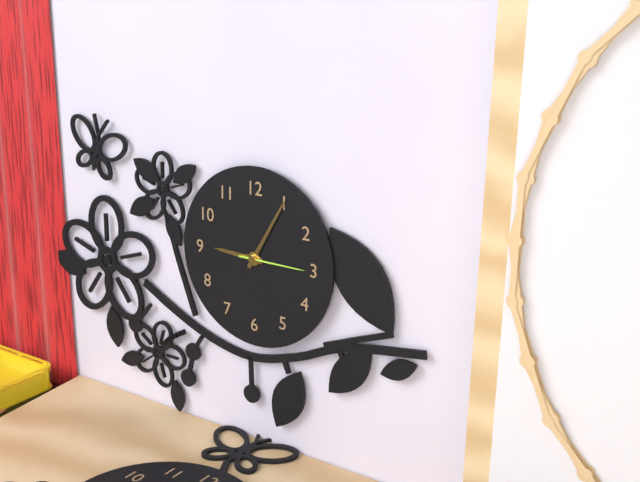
9:05:15
